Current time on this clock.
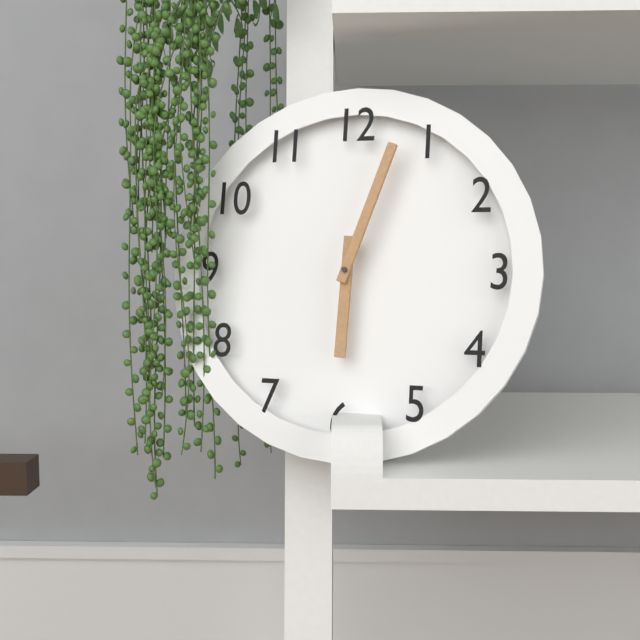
6:03
